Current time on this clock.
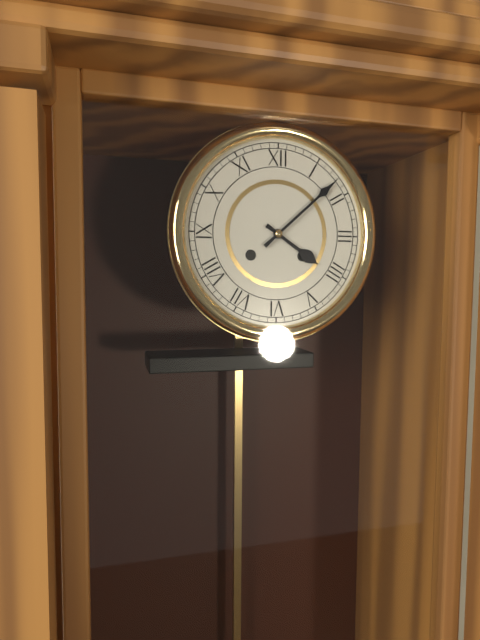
4:08
